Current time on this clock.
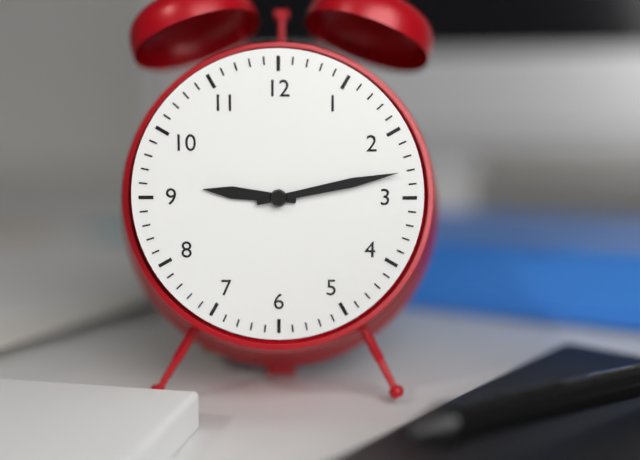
9:13
